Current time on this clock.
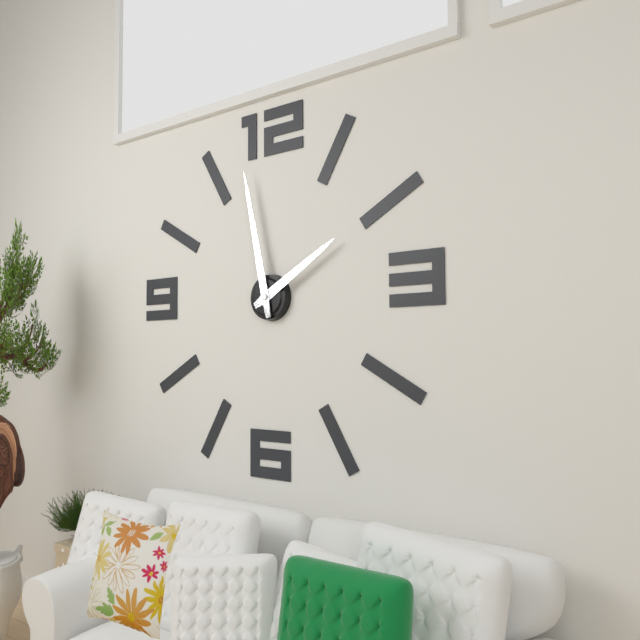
1:58
